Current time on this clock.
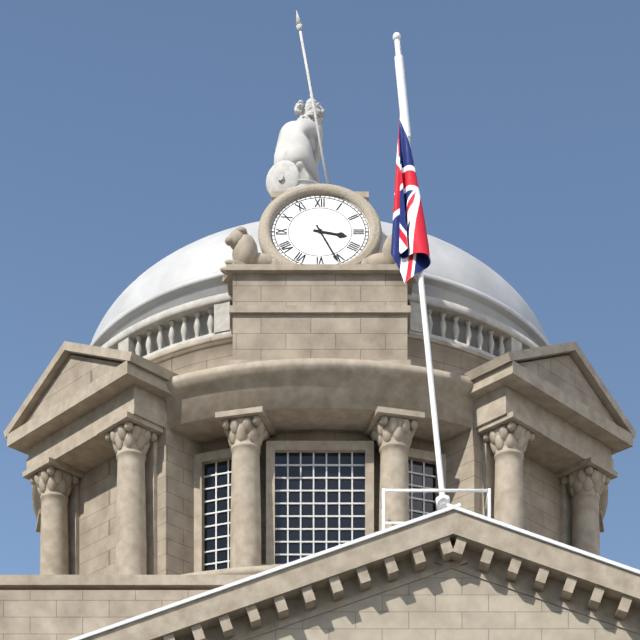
3:26
